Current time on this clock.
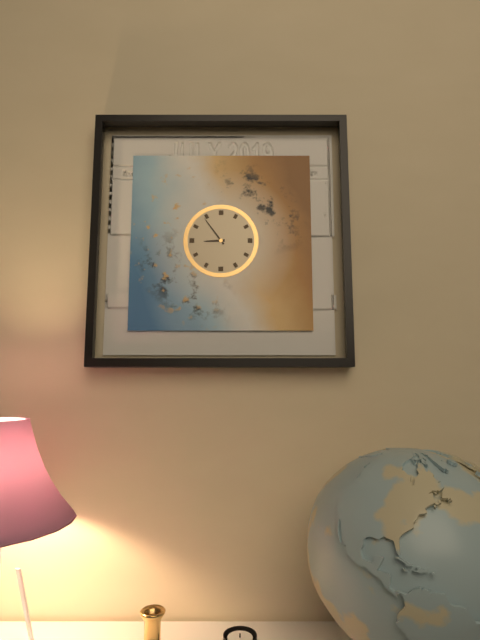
8:54
